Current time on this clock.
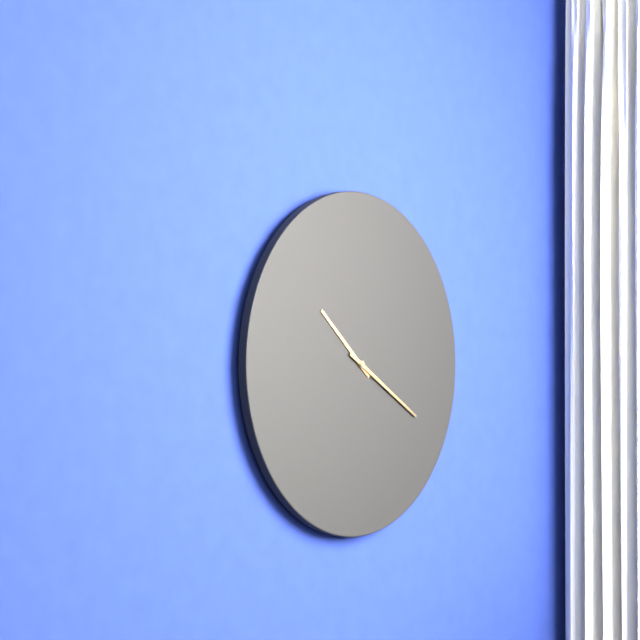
10:20
